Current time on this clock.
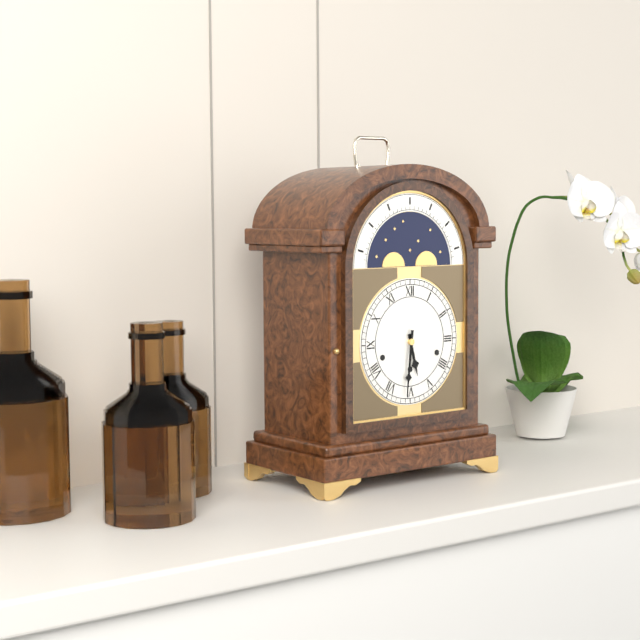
5:31
